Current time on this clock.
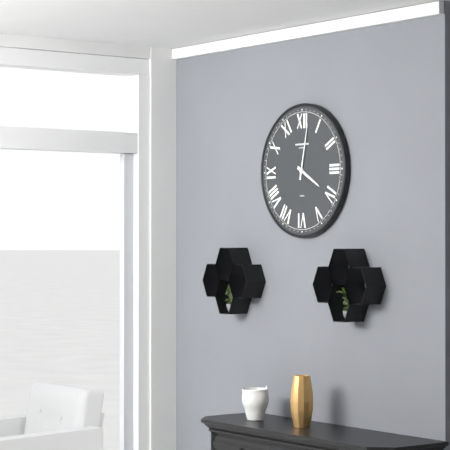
4:02
